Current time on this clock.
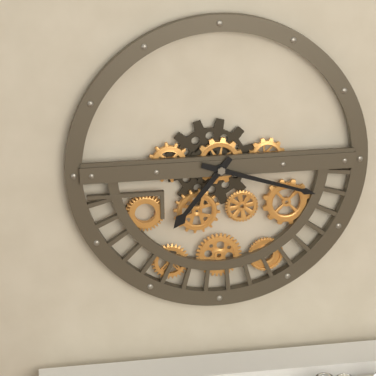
7:18
